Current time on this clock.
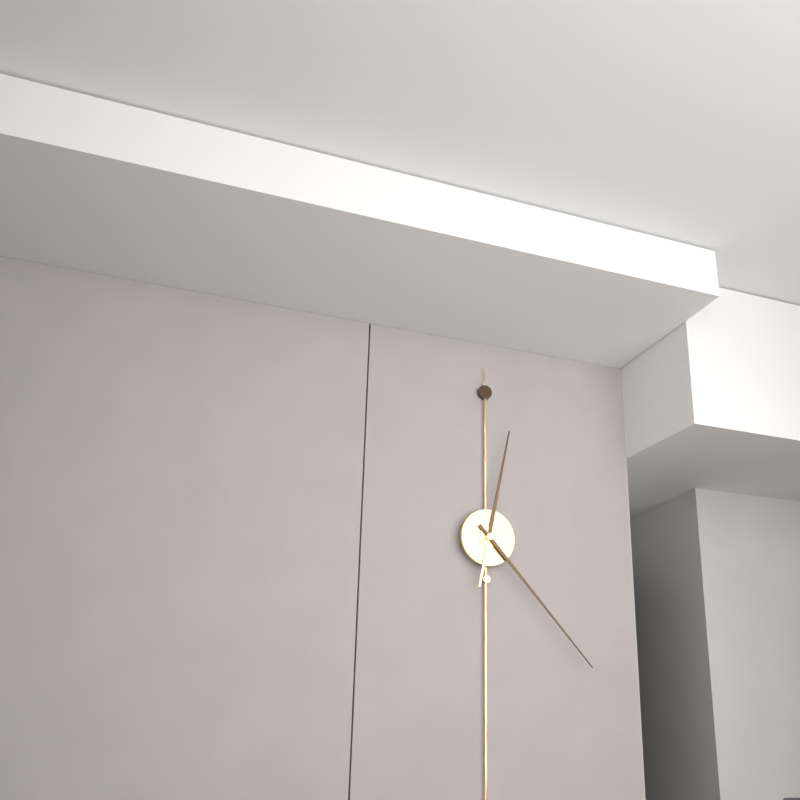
12:23
